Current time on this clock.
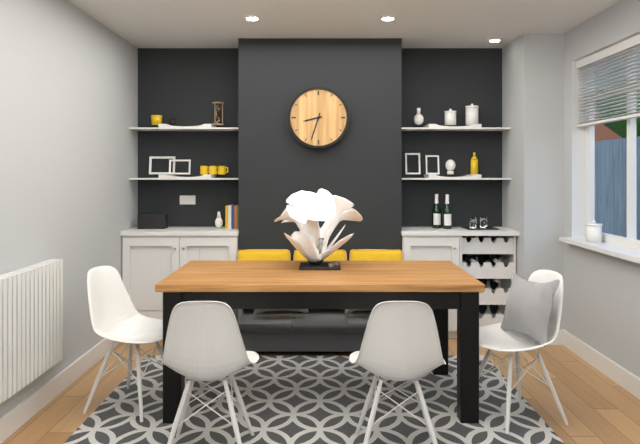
8:33
